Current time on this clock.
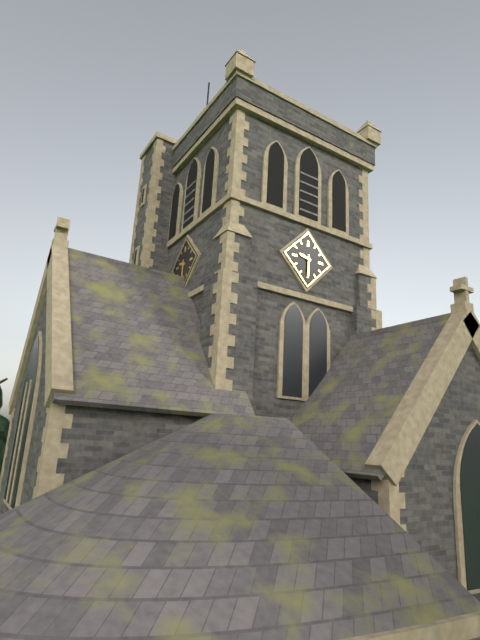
9:30
